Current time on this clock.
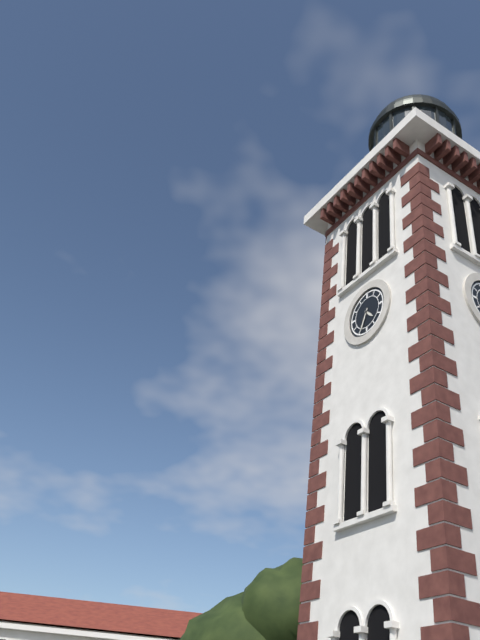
4:34
